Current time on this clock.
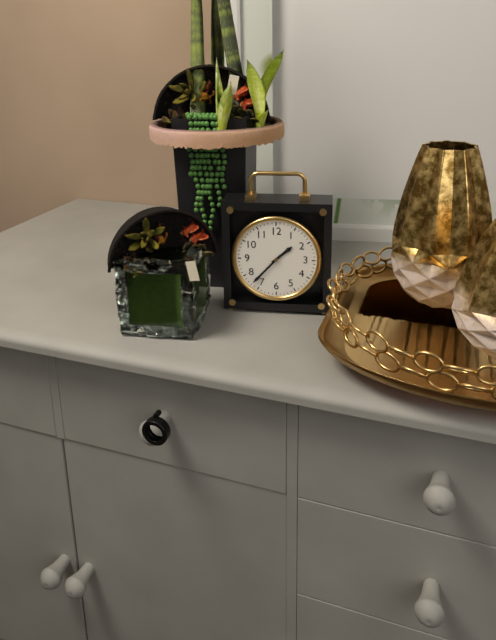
1:37
